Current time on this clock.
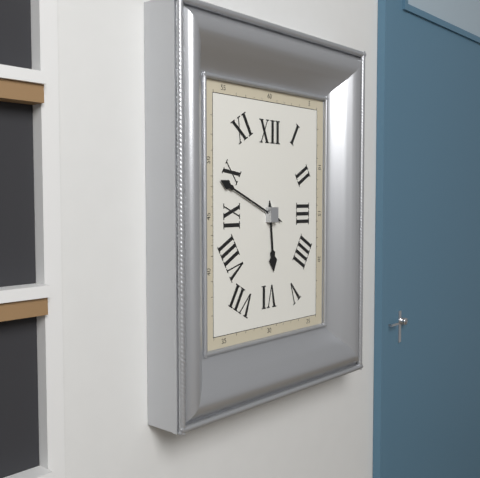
5:49
